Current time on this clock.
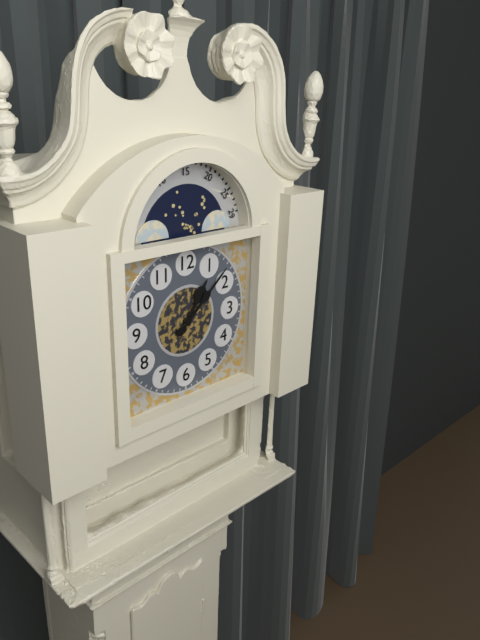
1:08
